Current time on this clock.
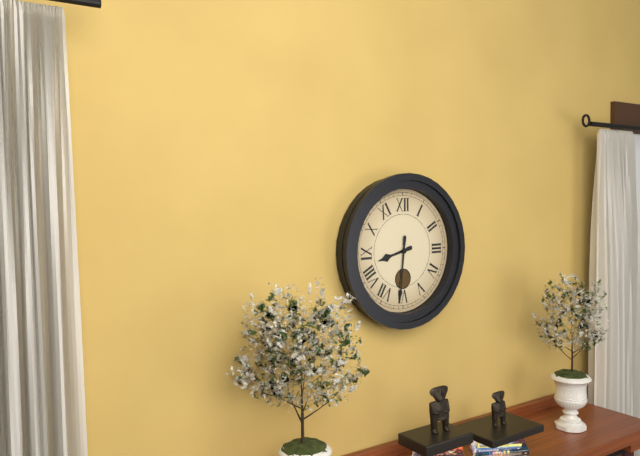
8:31
